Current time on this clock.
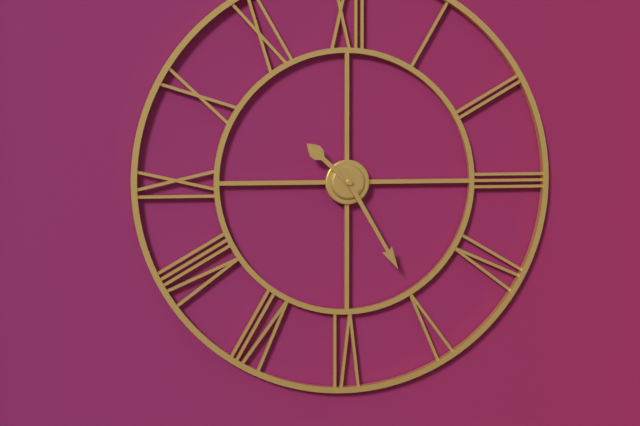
10:25
